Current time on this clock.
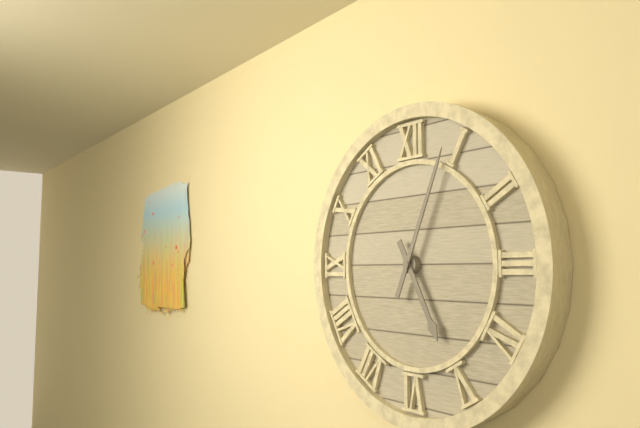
5:04
